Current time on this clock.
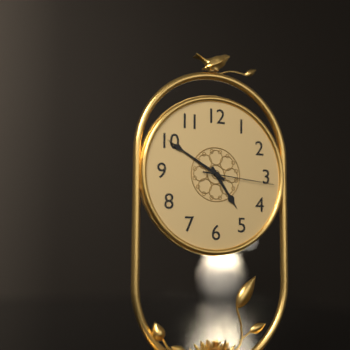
4:50:16
